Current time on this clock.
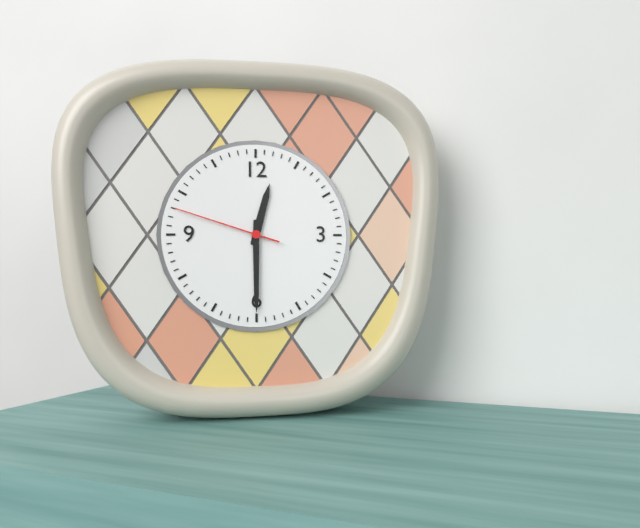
12:30:48
